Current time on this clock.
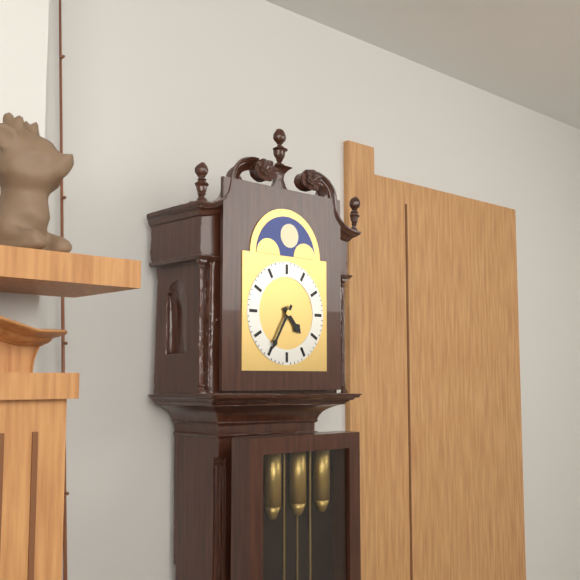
4:35
